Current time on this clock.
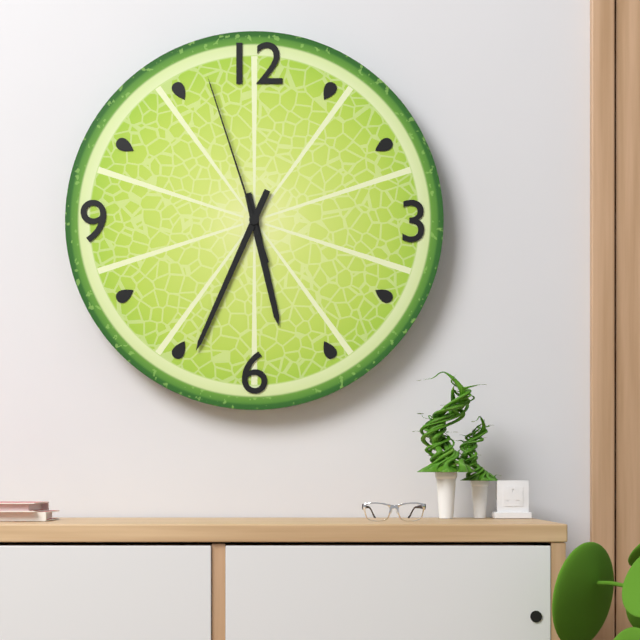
5:34:57
